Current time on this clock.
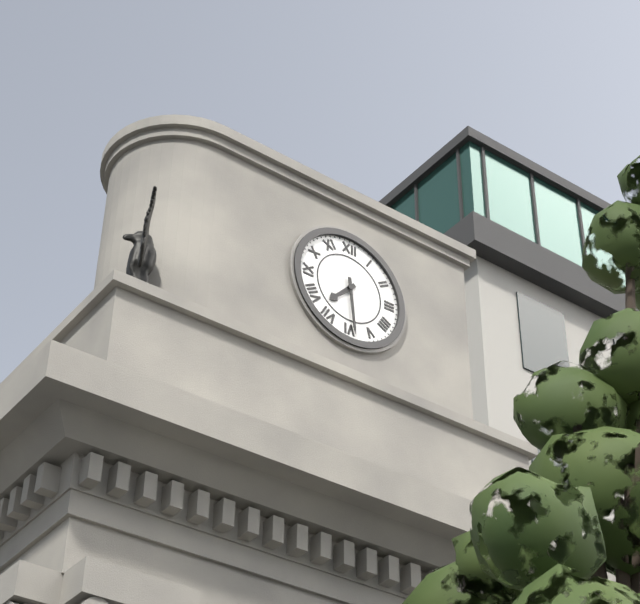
7:29
